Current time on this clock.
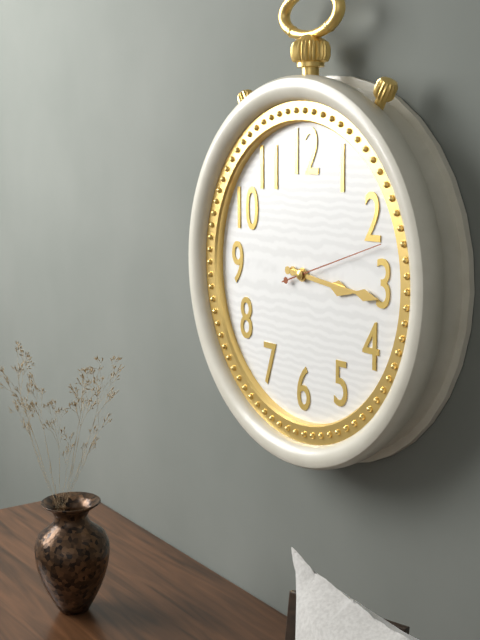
3:16:12
